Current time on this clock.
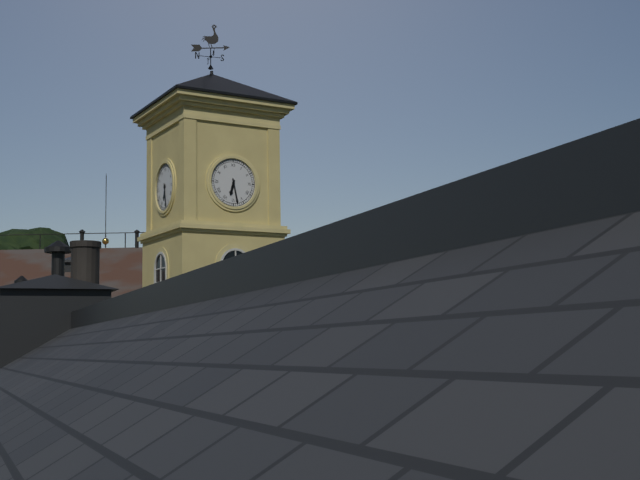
6:28
